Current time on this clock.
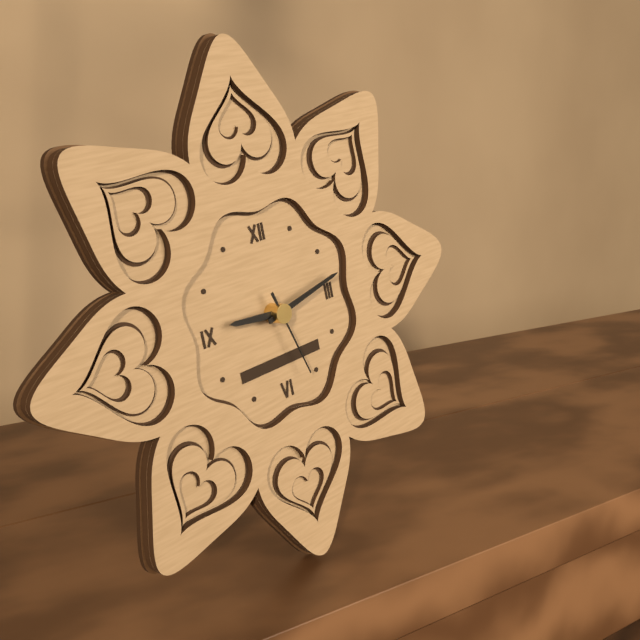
9:13:27
